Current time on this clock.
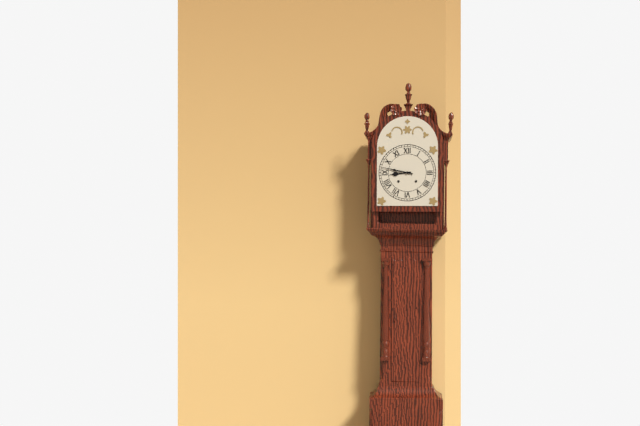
8:47
